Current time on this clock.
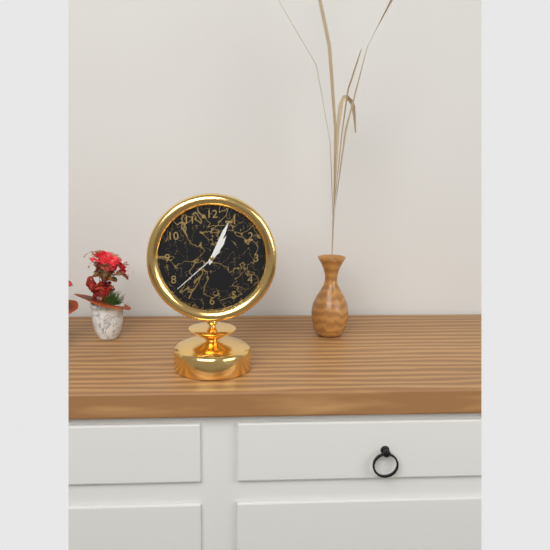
1:04:38
